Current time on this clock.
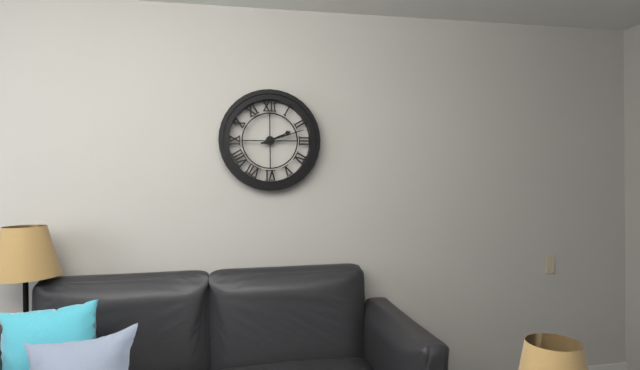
2:12
